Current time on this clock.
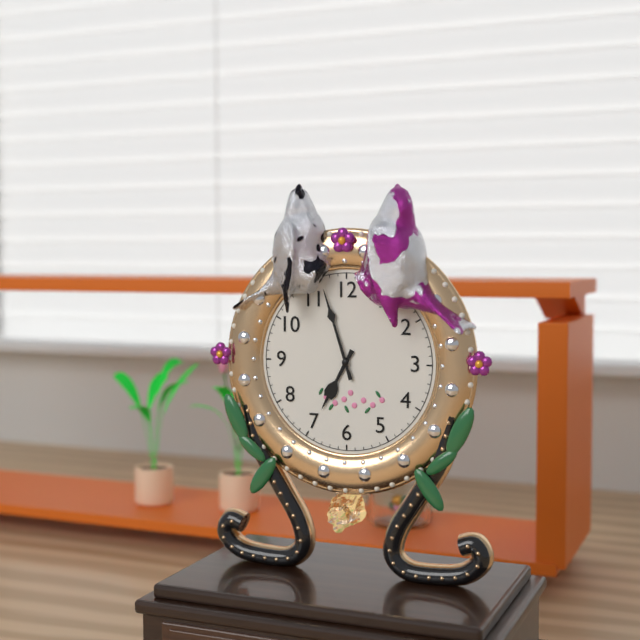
6:57
